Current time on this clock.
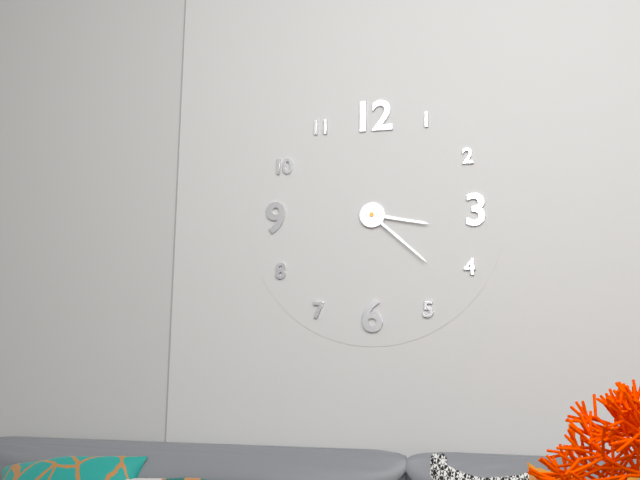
3:22
